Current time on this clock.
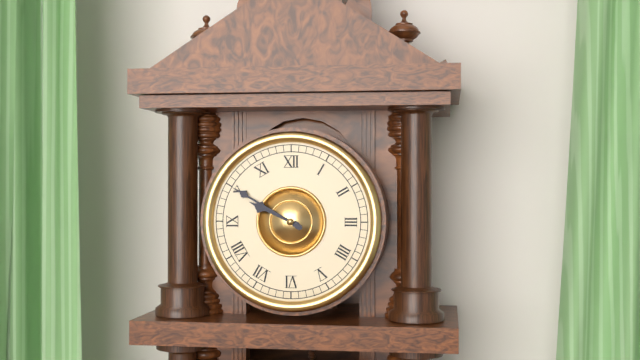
9:50
